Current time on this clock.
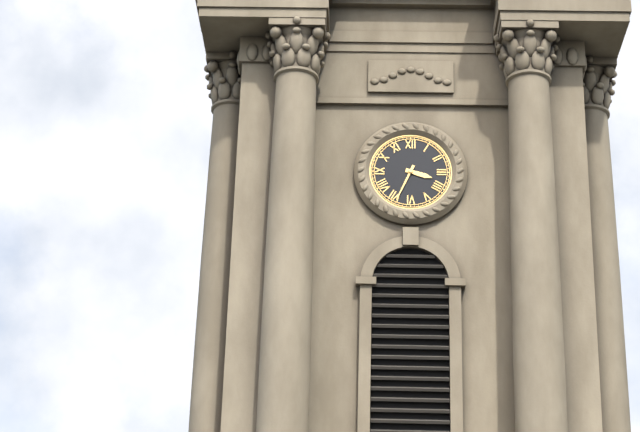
3:34
